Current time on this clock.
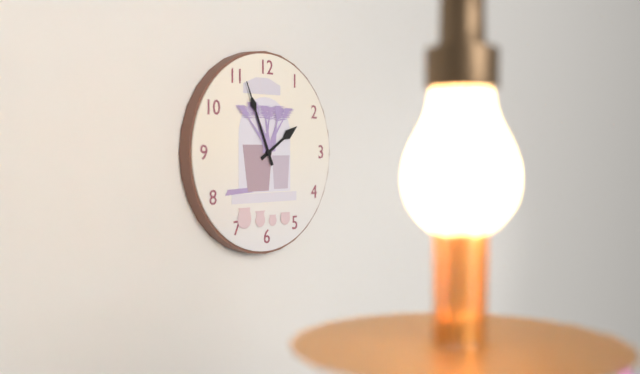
1:56
